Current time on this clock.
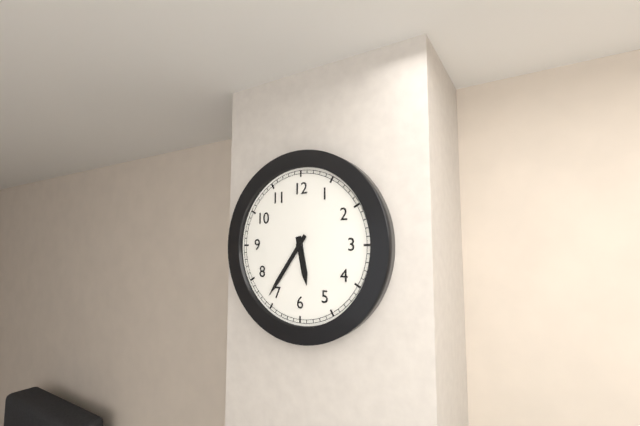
5:36
